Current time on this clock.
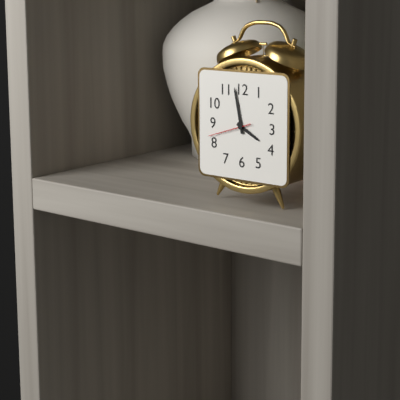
3:58
